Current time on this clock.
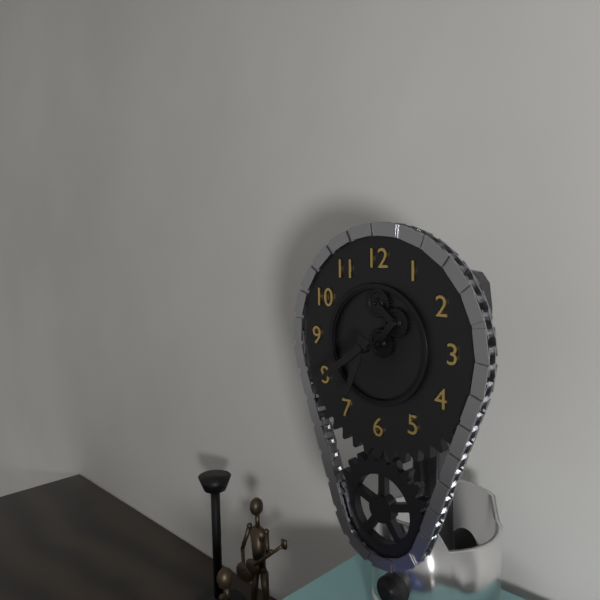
6:39
